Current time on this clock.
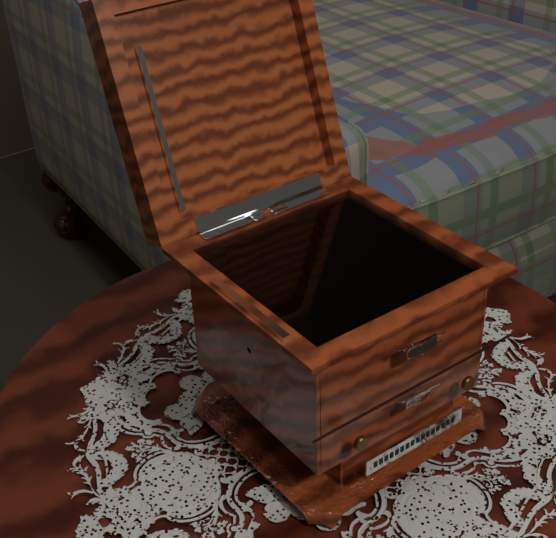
9:16
